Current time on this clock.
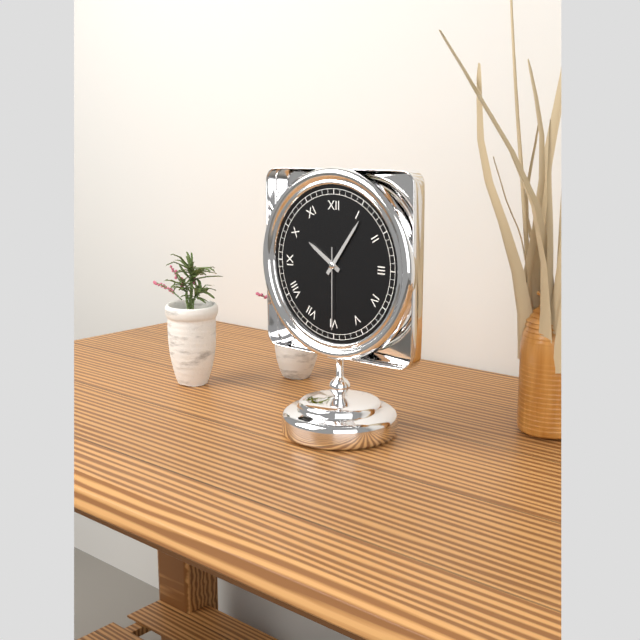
10:06:30
